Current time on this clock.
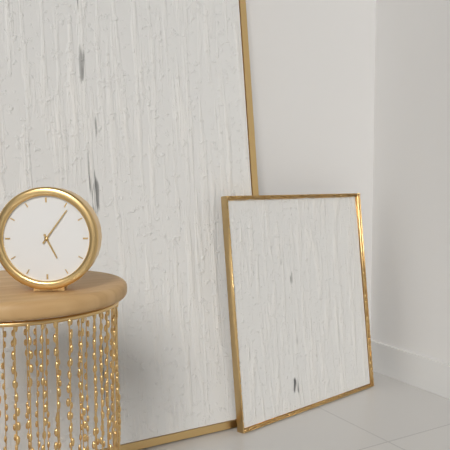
5:06
